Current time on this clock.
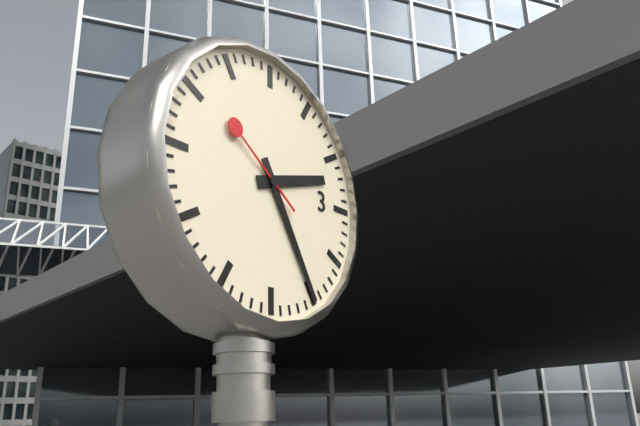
2:25:51
